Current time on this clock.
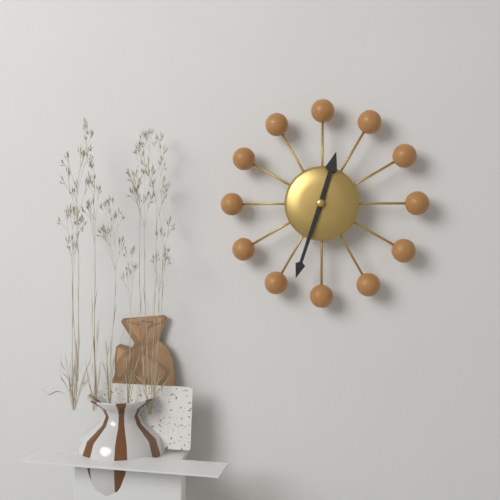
12:33
